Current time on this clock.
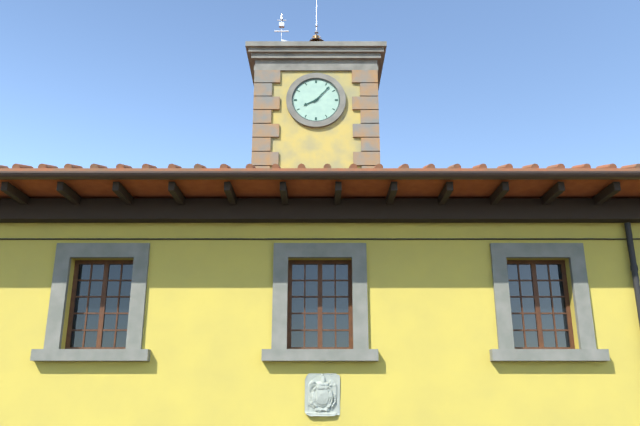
8:07
